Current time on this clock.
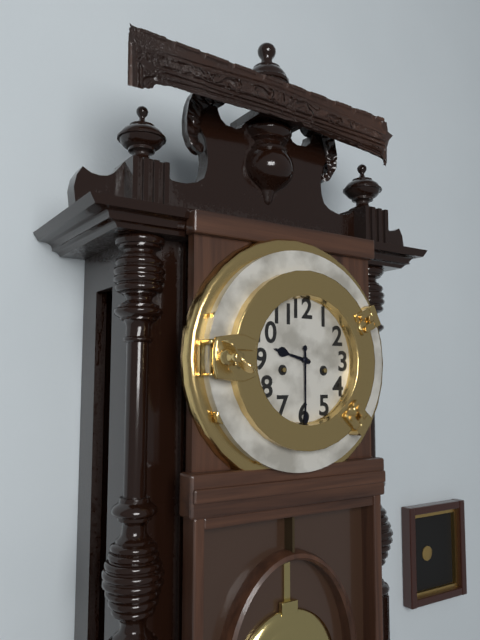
9:30
